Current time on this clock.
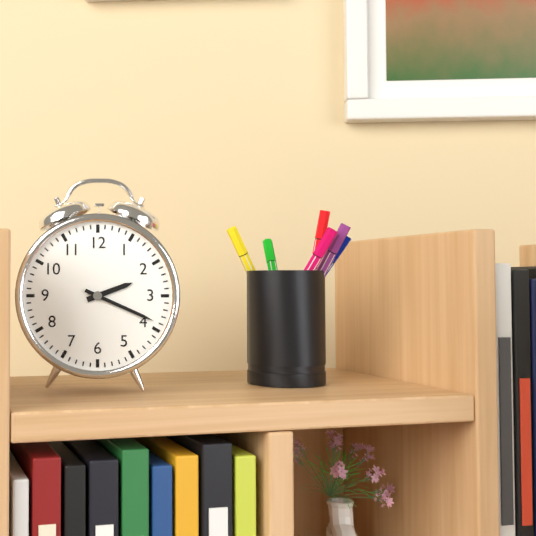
2:19
